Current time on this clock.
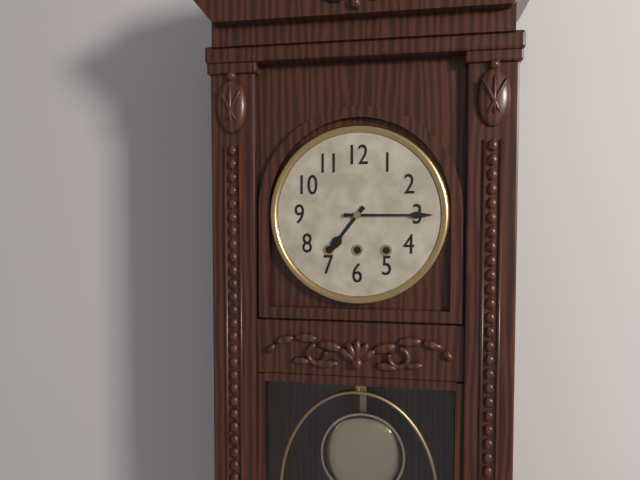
7:15
